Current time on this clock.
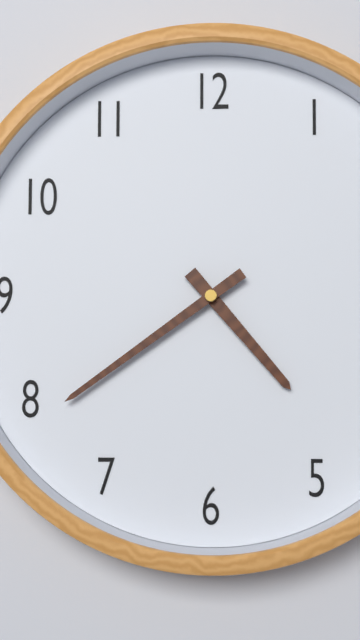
4:39
